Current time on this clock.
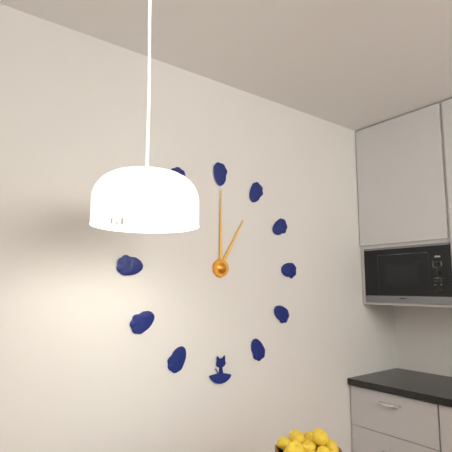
1:00
